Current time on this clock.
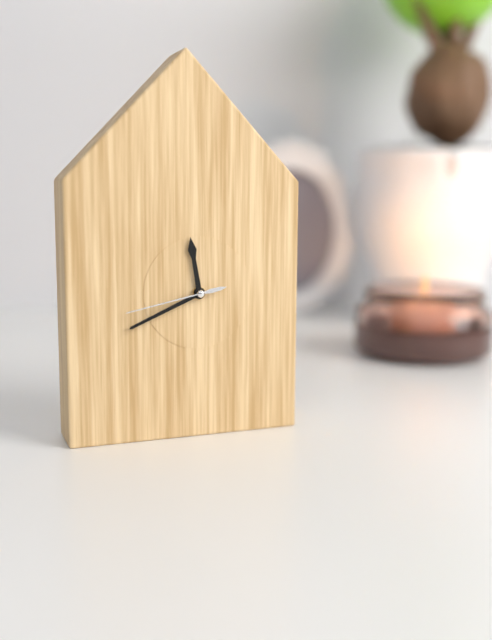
11:41:43
